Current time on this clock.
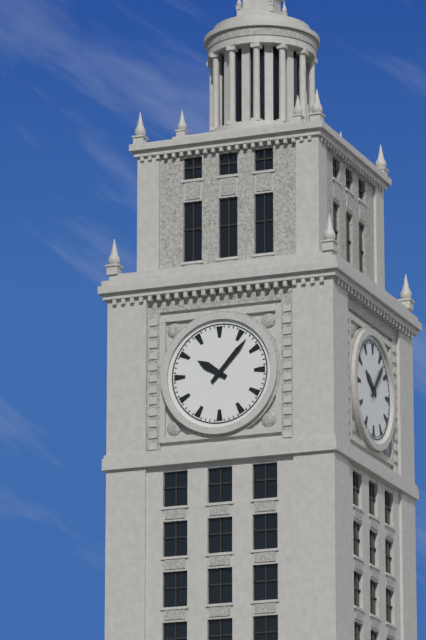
10:07
